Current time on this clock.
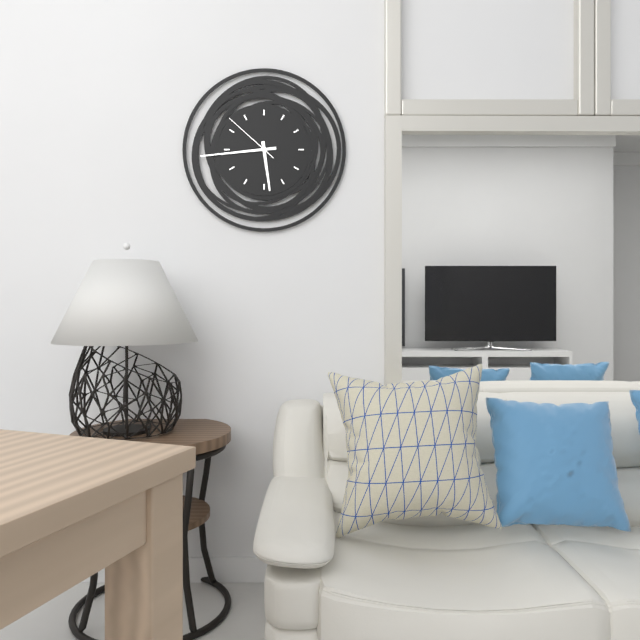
5:44:52
